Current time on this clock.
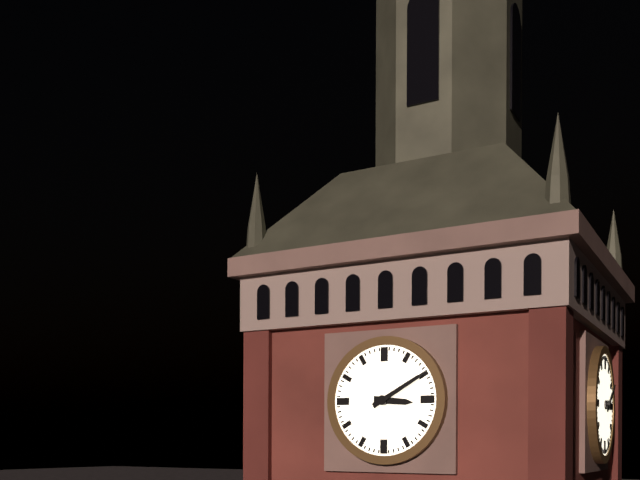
3:10
